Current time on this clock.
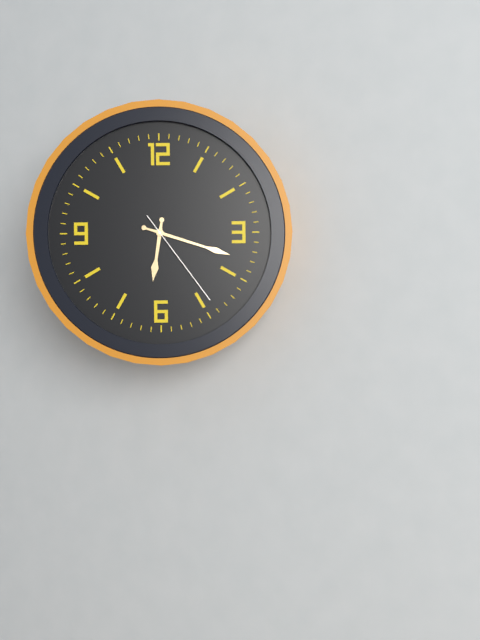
6:18:24
